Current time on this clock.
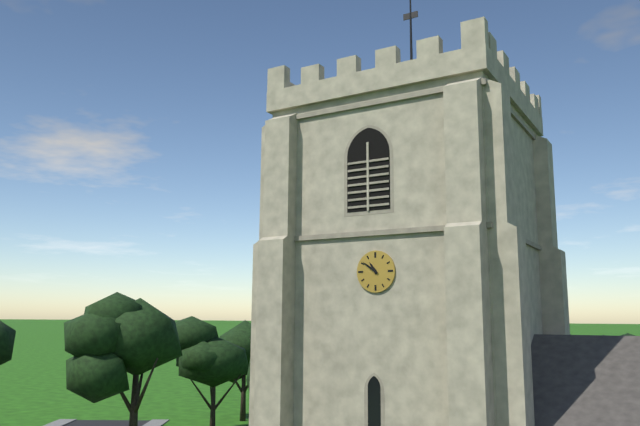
10:51
